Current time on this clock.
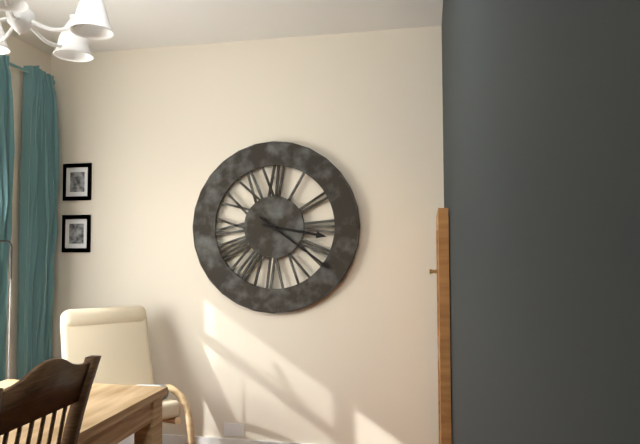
3:21
